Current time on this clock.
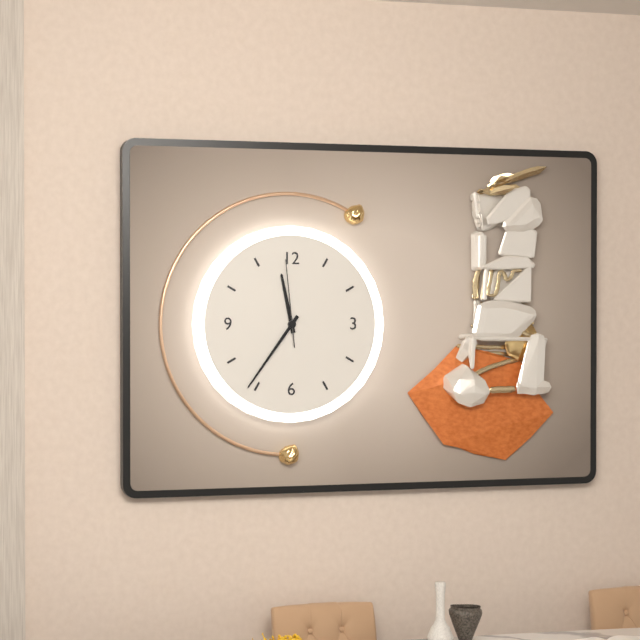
11:36:59
